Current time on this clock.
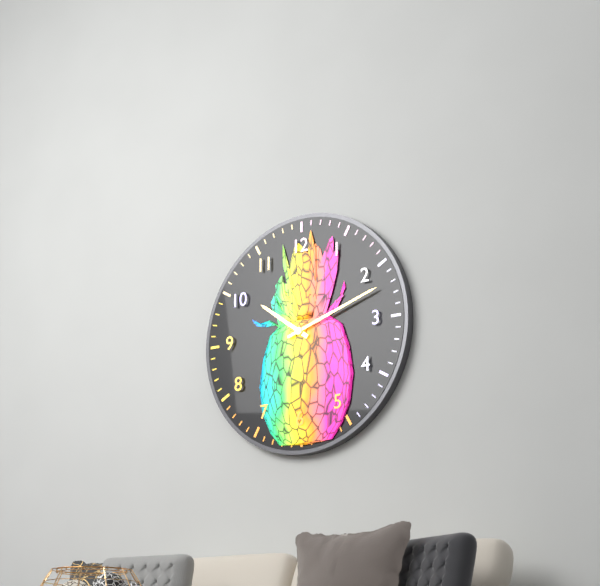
10:12
